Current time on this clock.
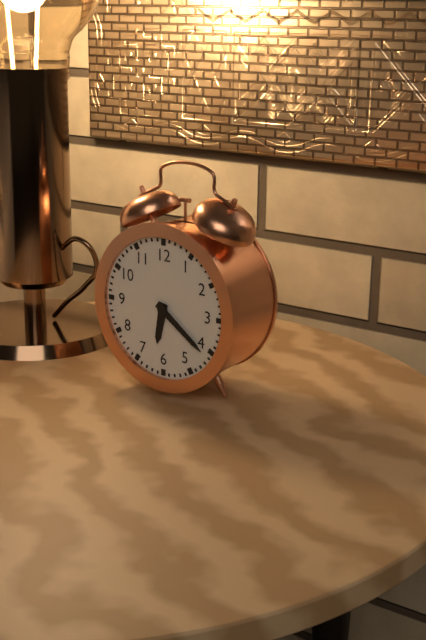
6:21
